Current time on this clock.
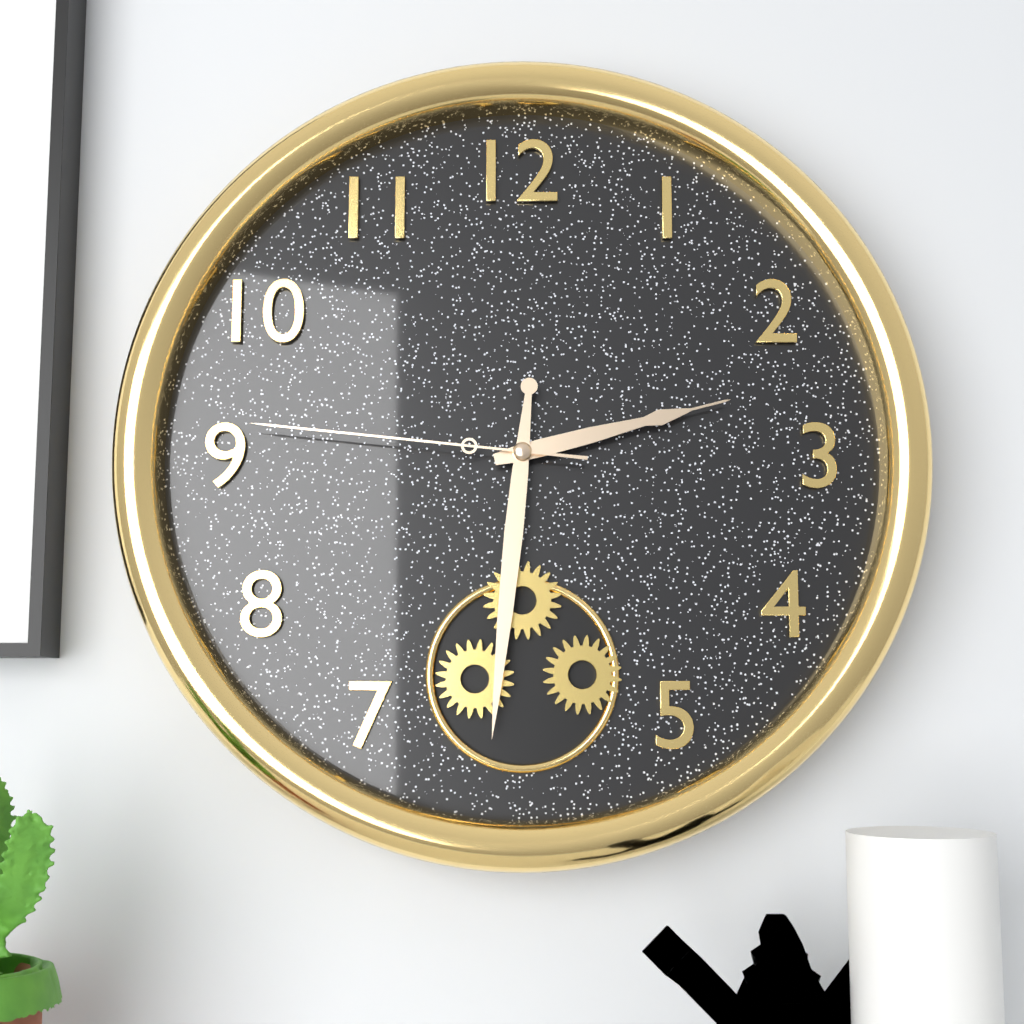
2:31:46
